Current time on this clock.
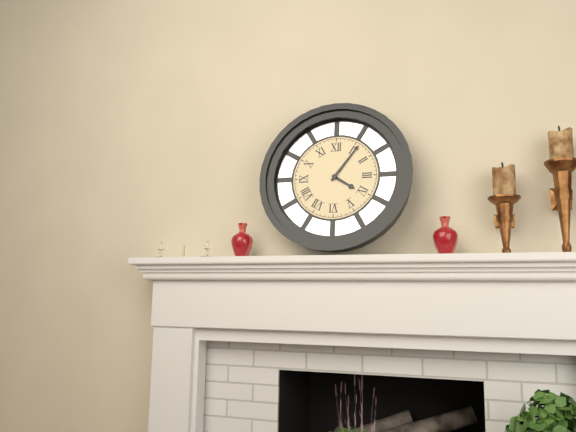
4:06
